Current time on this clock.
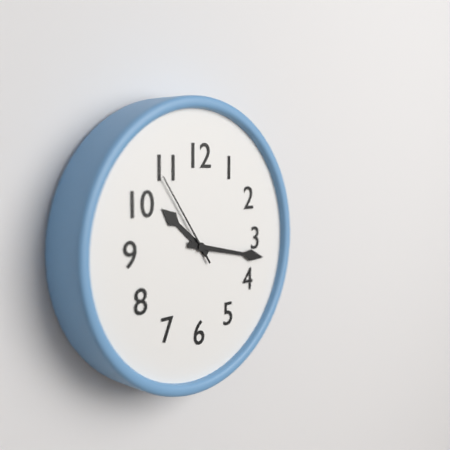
10:17:54
